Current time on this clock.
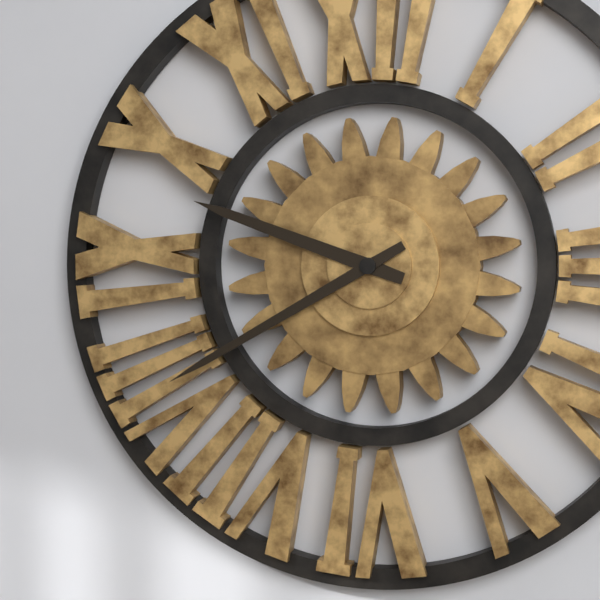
9:40
